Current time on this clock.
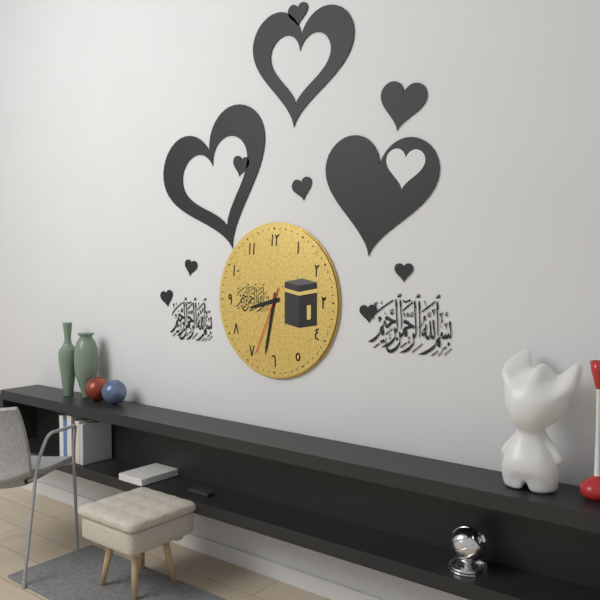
8:32:34
